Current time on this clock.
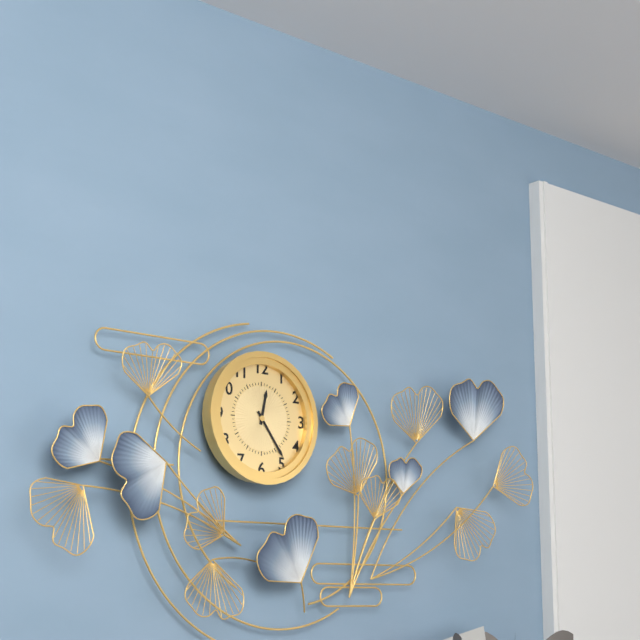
12:24
